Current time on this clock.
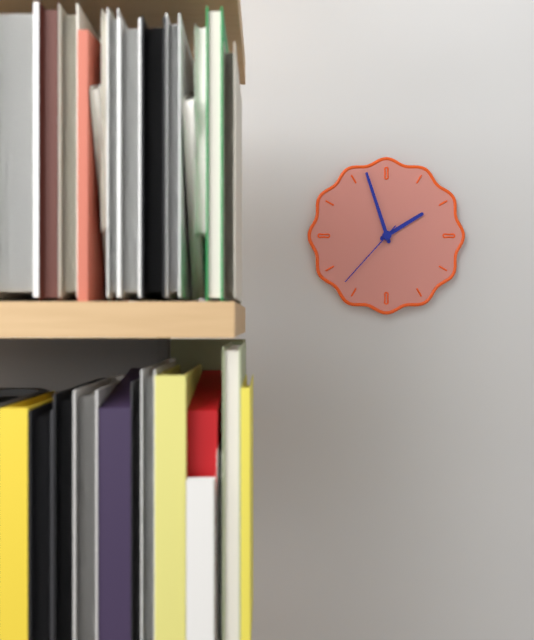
1:57:37
